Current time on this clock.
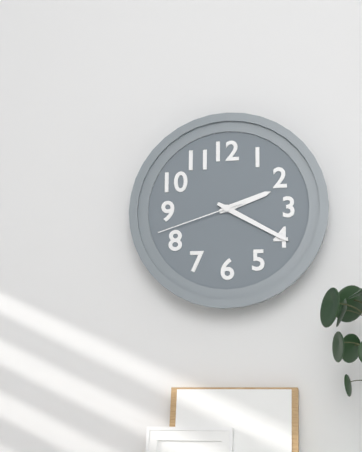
2:20:42
